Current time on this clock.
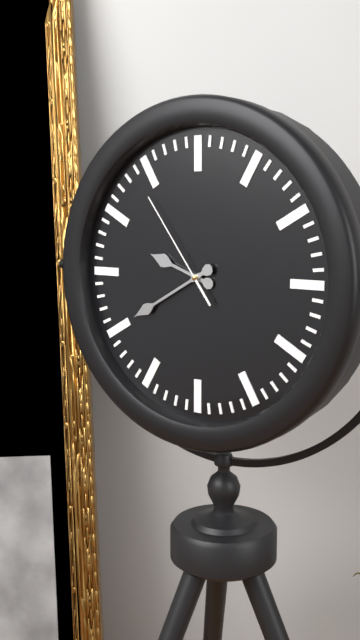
9:40:54
